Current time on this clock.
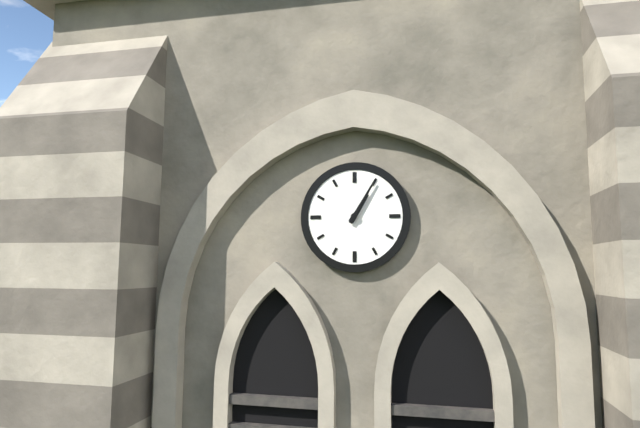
1:05
